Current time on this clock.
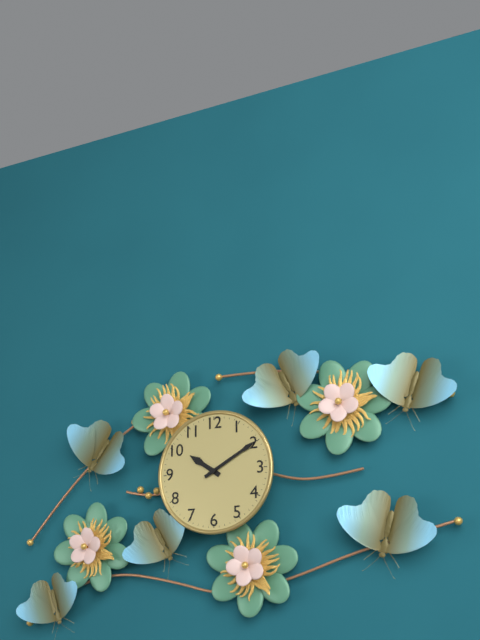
10:10
